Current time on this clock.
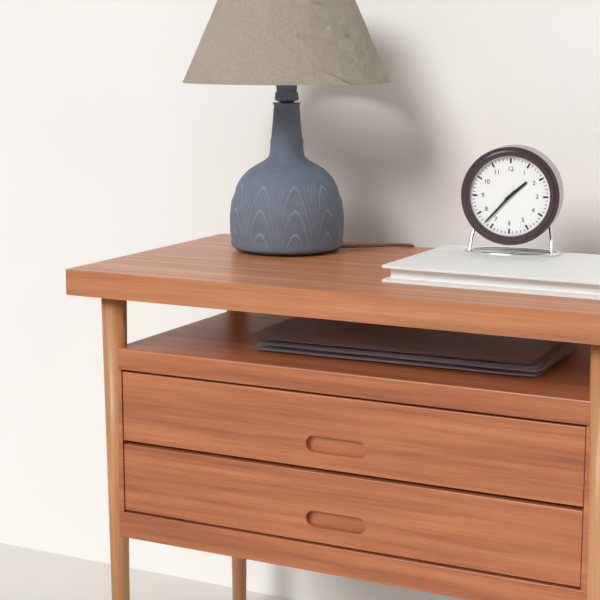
1:37
